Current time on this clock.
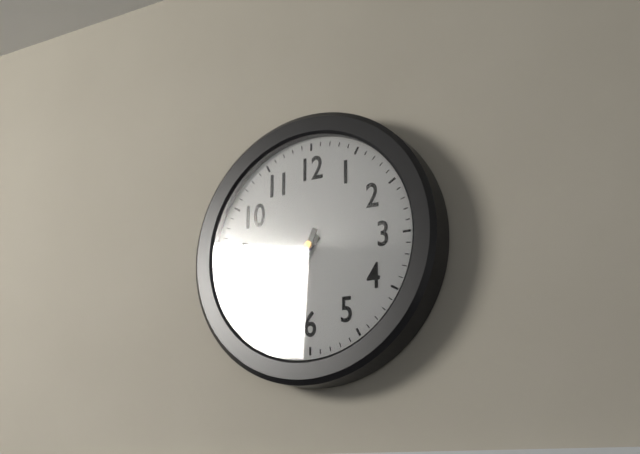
7:34
